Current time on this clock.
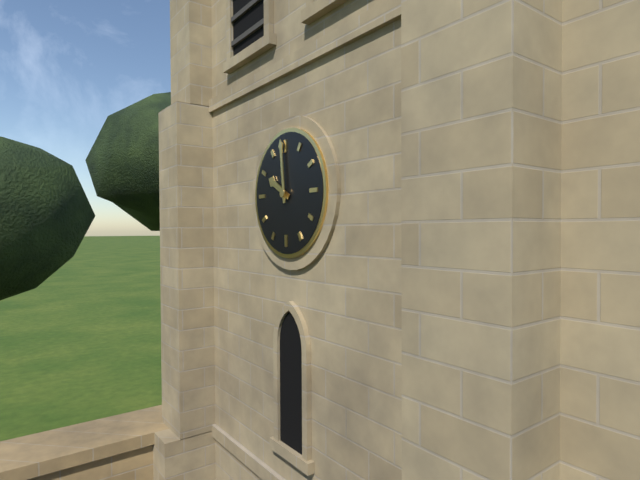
9:59
